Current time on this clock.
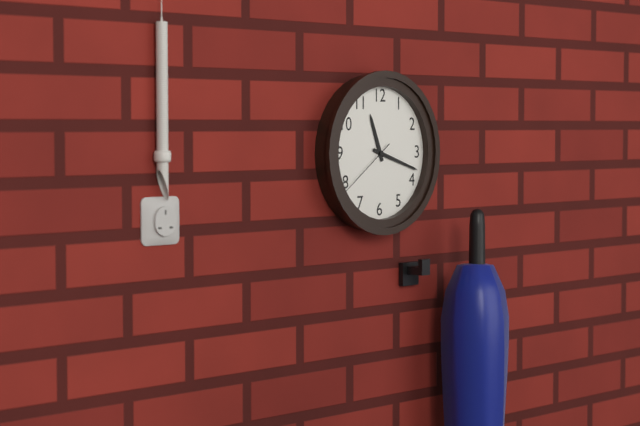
11:18:39
